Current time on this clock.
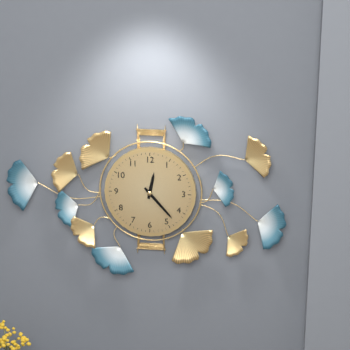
12:23
